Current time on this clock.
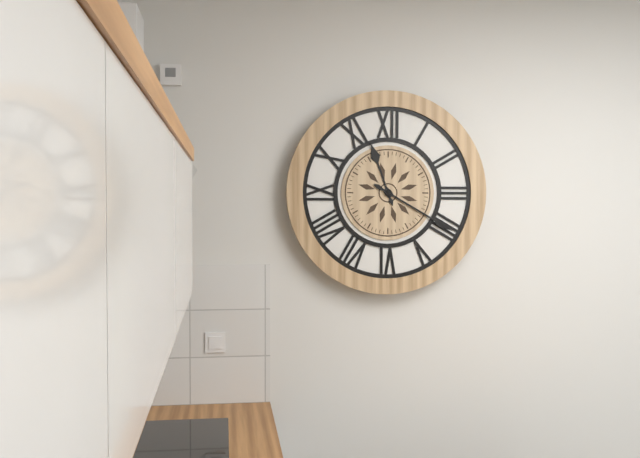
11:20
